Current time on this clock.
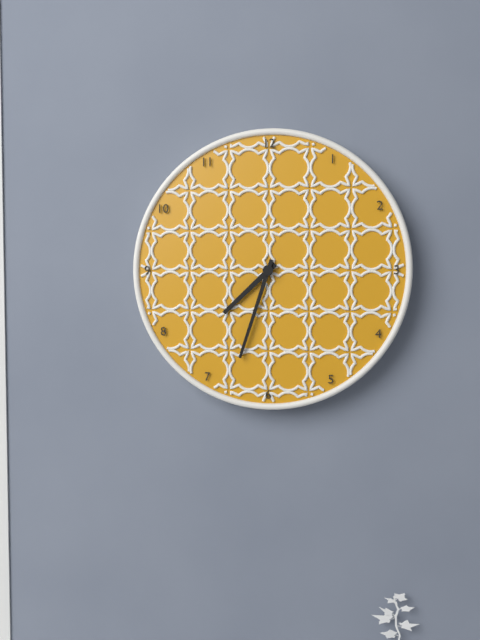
7:33
